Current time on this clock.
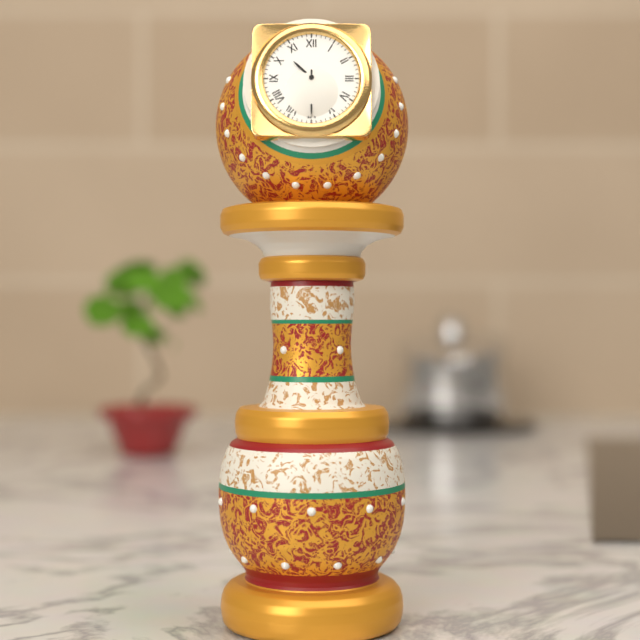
10:30
